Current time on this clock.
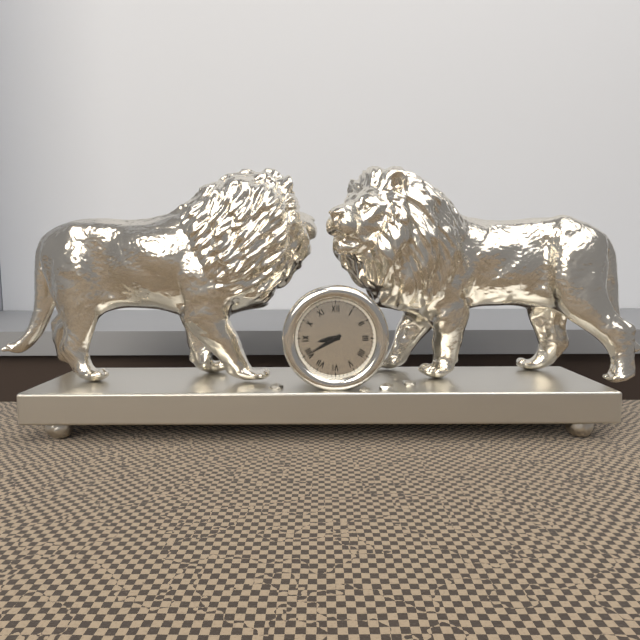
8:40
